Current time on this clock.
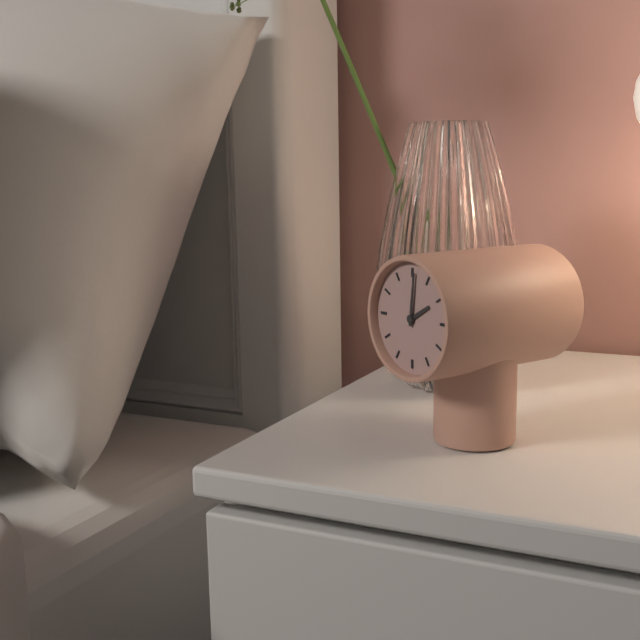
2:01
